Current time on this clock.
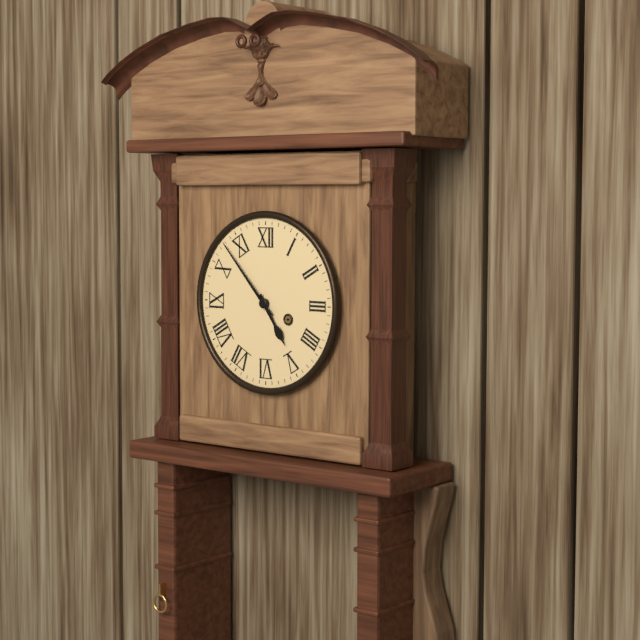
4:53
